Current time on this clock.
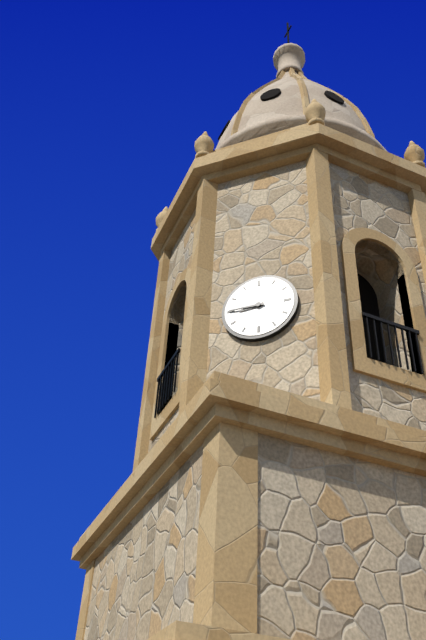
8:45
